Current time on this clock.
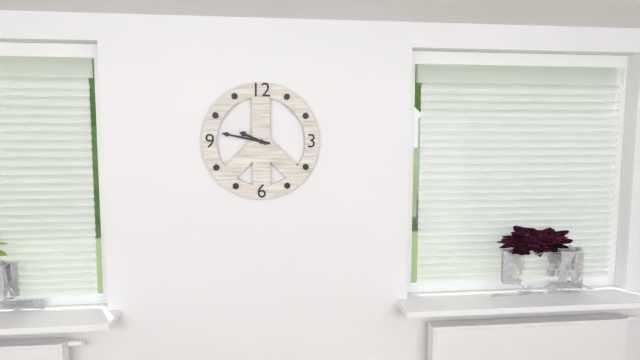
9:47
